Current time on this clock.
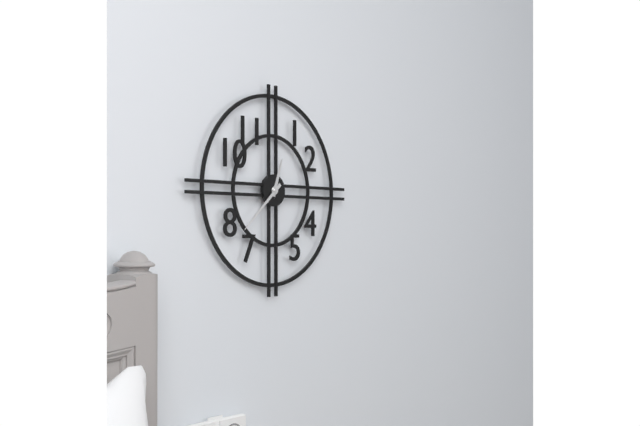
12:38
